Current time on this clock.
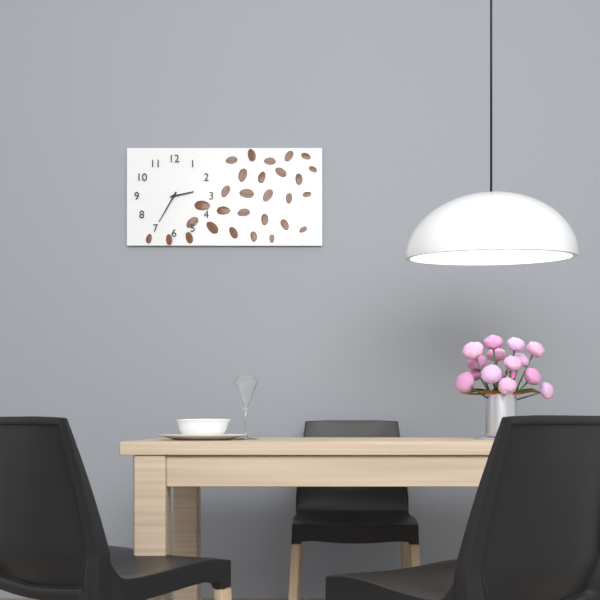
2:35
